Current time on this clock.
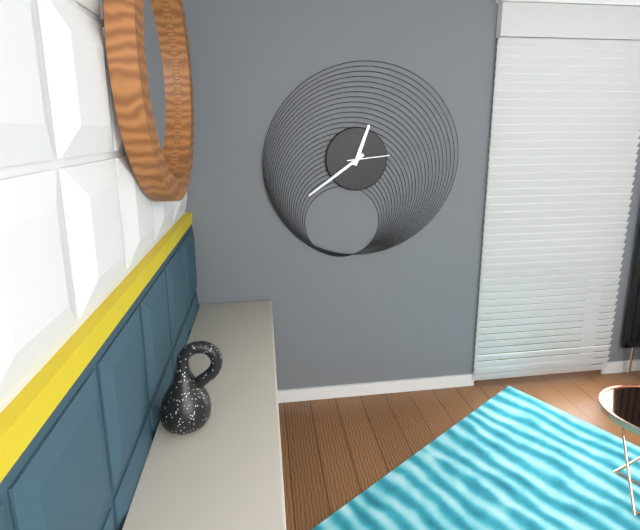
12:39
